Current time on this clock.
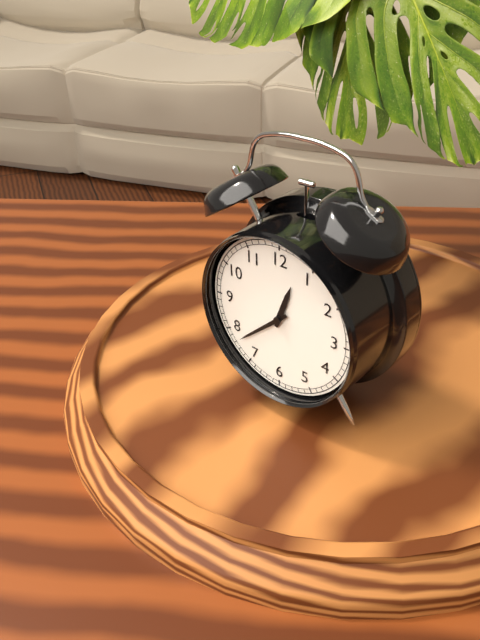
12:38
